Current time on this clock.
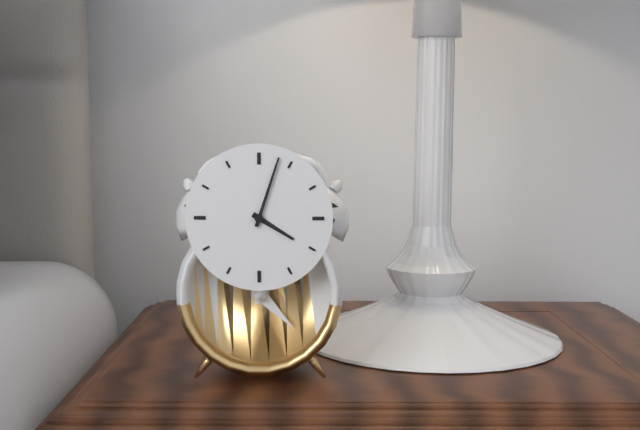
4:03
